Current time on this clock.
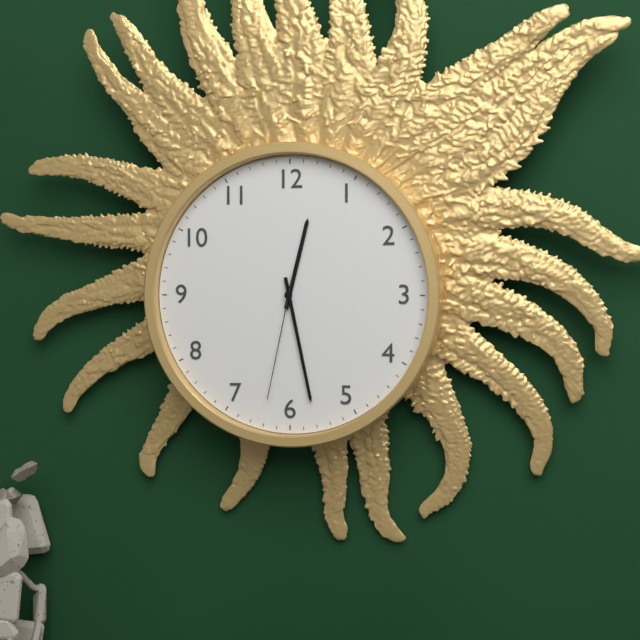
12:28:32
